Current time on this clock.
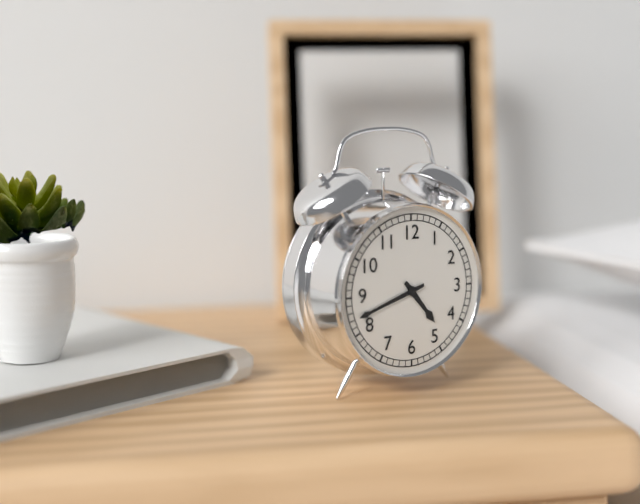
4:42
